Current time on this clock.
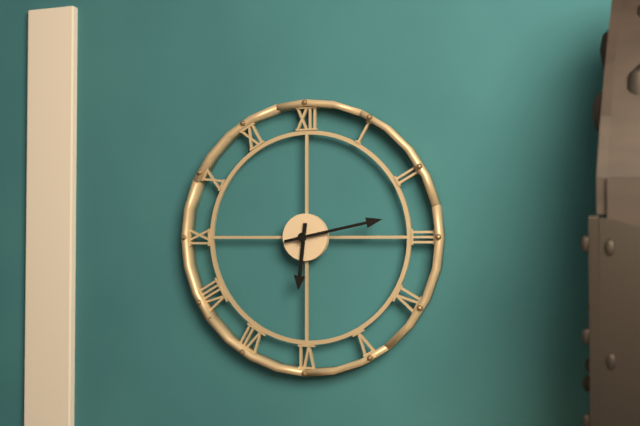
6:13
